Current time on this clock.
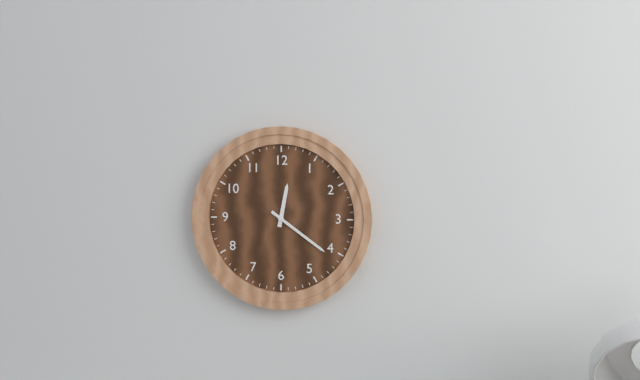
12:21
